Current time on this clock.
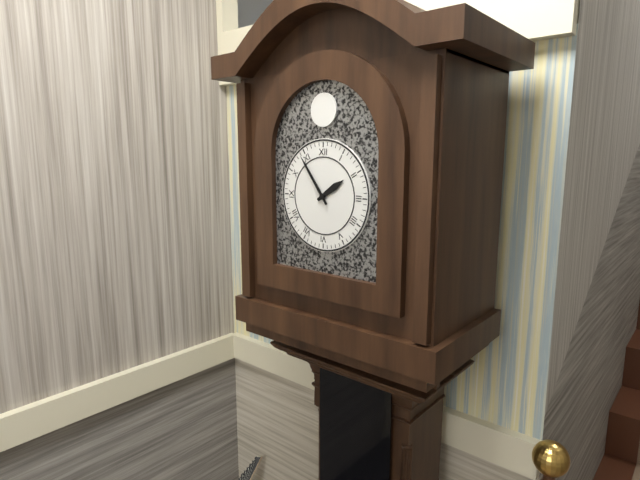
1:54
